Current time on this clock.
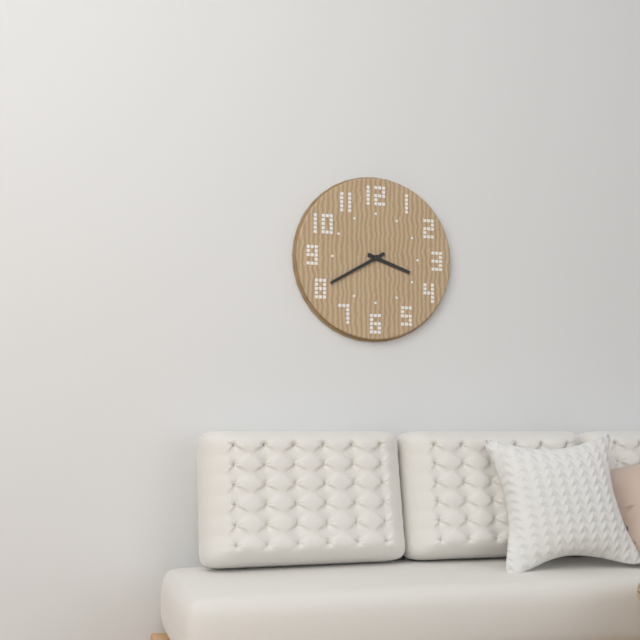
3:40
